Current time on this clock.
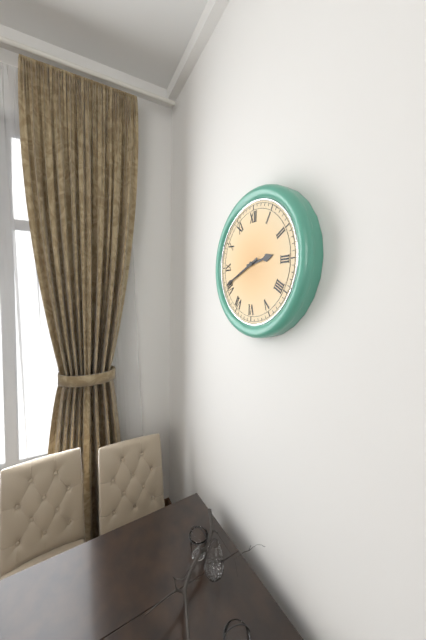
2:41
